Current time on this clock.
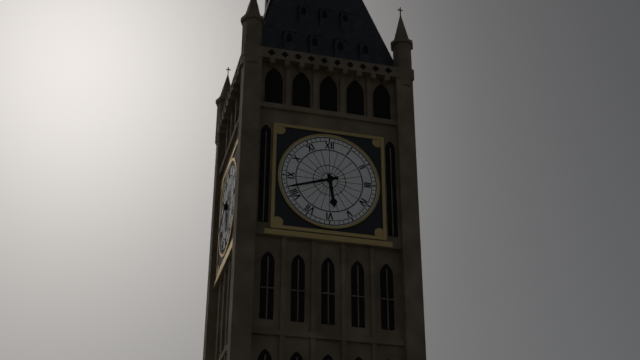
5:42
